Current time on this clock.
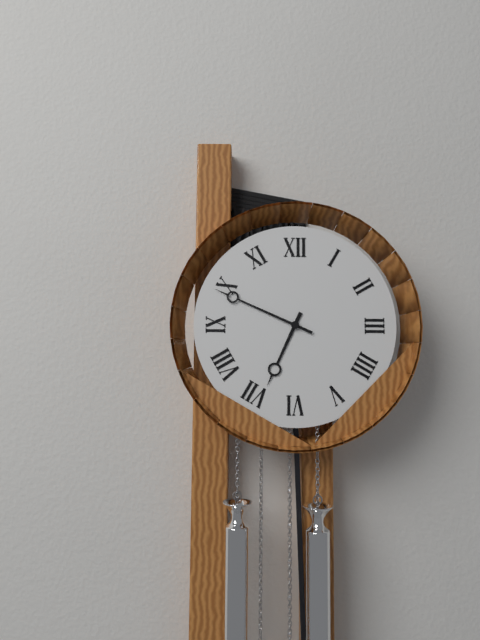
6:49
